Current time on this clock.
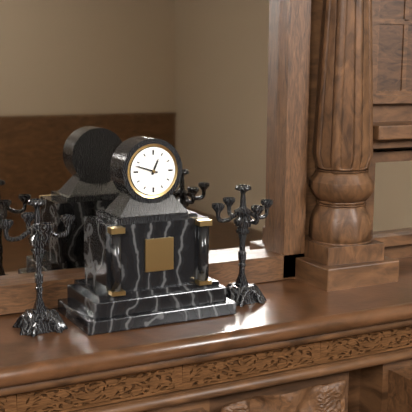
12:48
